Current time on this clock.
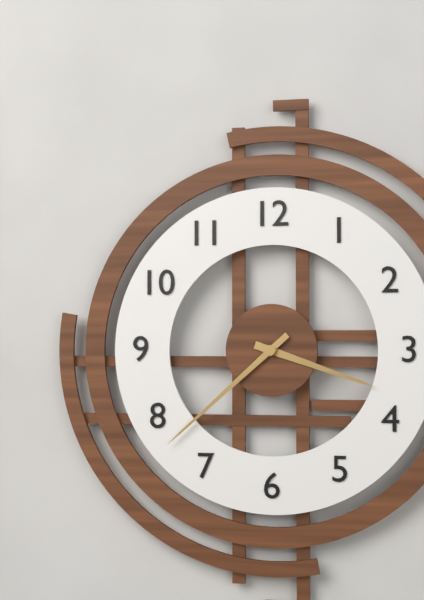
3:38
